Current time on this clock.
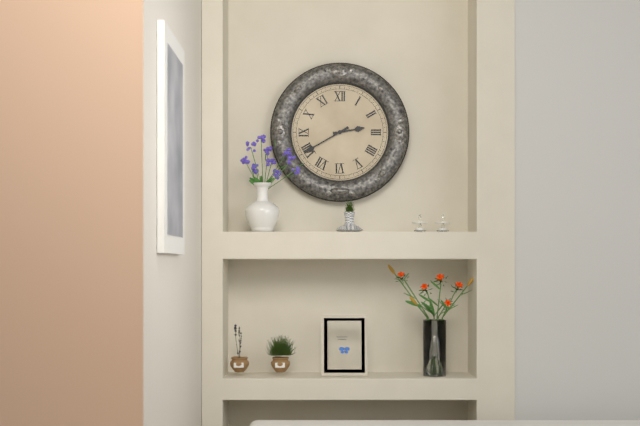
2:40
